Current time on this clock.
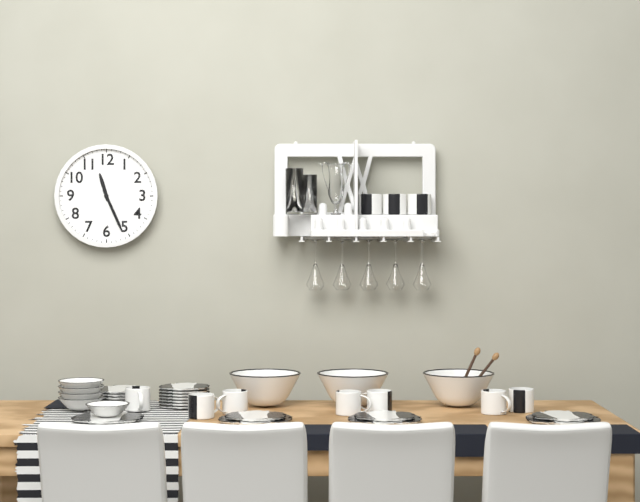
11:26
